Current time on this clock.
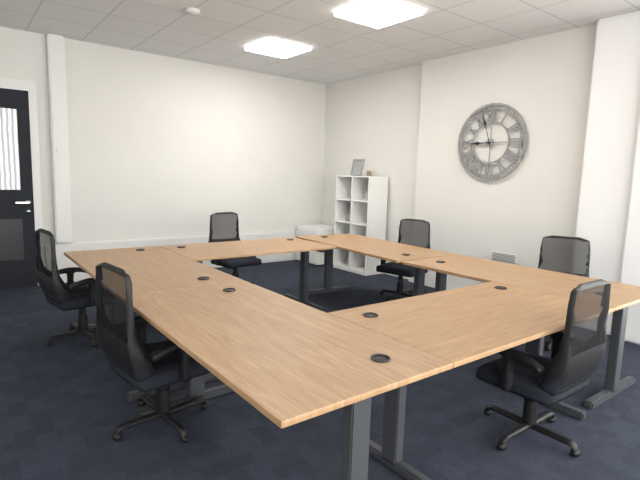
8:57
